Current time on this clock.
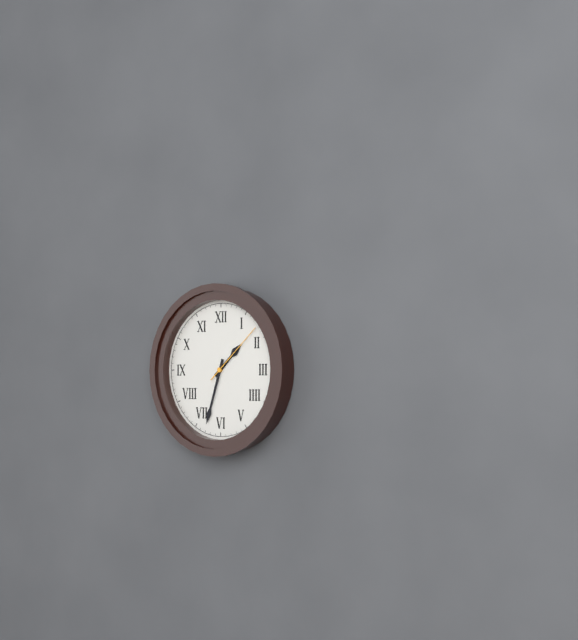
1:33:08
